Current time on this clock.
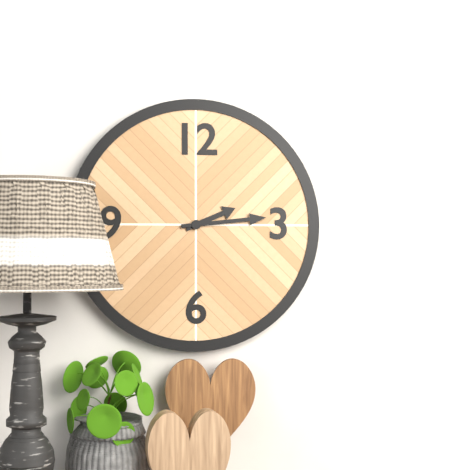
2:14
